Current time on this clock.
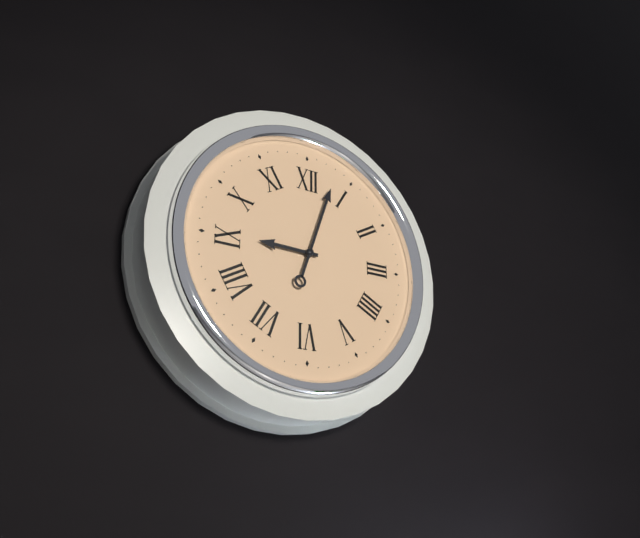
9:03
